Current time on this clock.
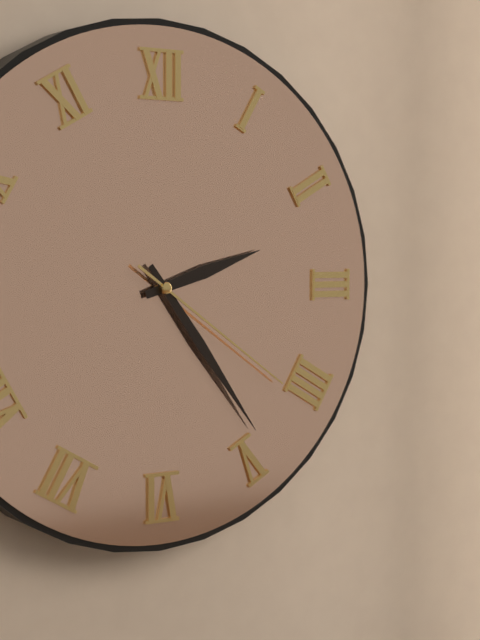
2:24:21
